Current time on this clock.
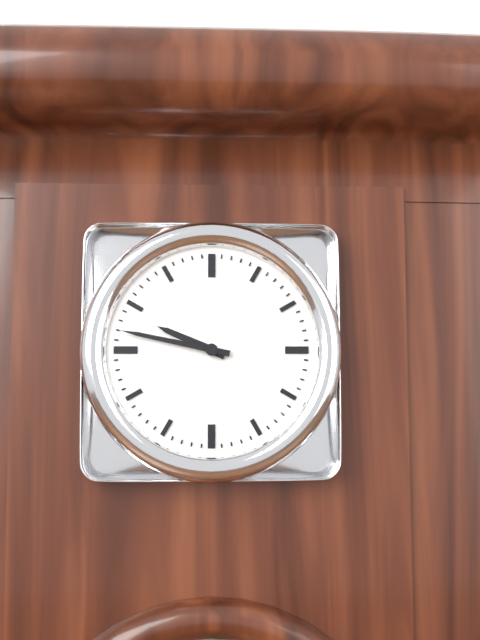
9:47
